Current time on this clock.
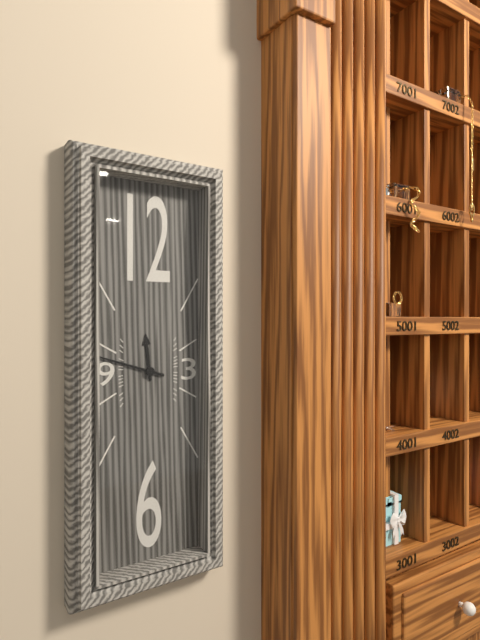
11:48
